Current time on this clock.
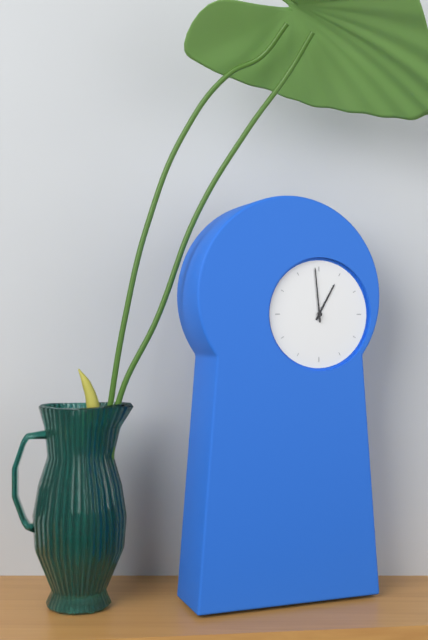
12:59
